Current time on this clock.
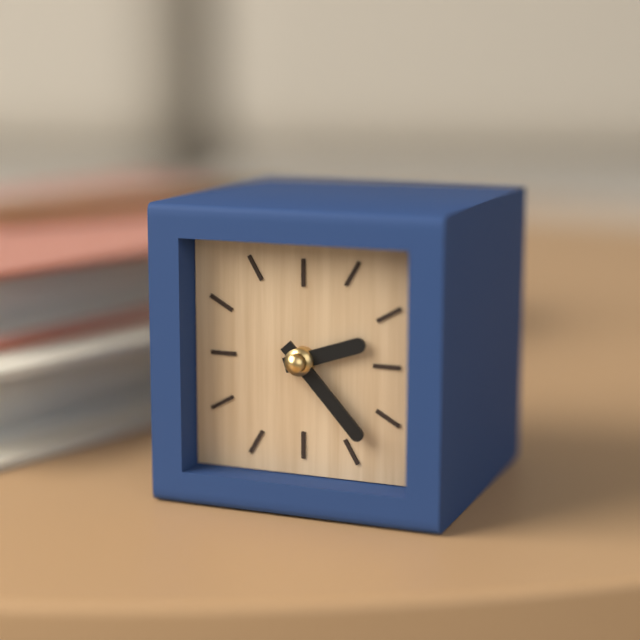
2:23
